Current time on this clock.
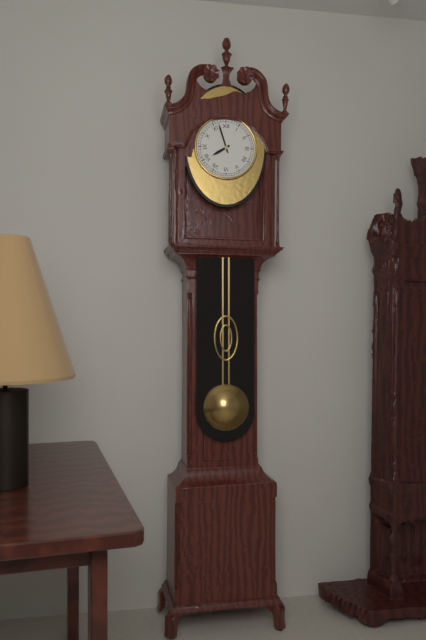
7:57
